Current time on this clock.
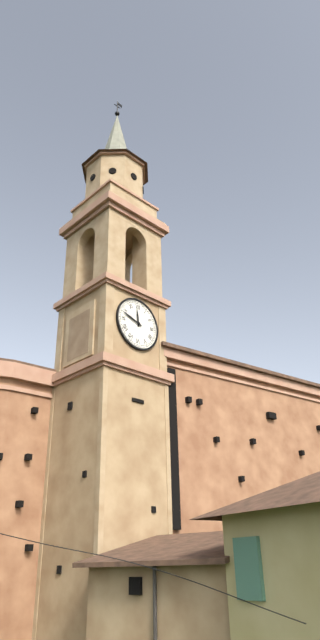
11:48
